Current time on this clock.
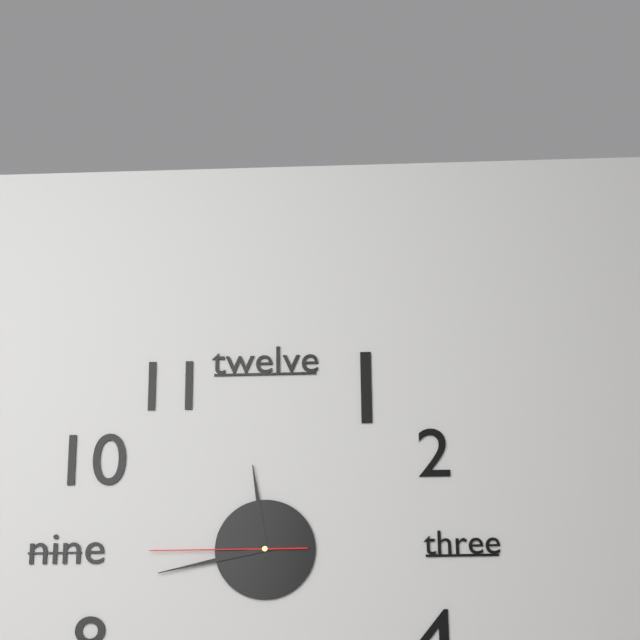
11:43:45
